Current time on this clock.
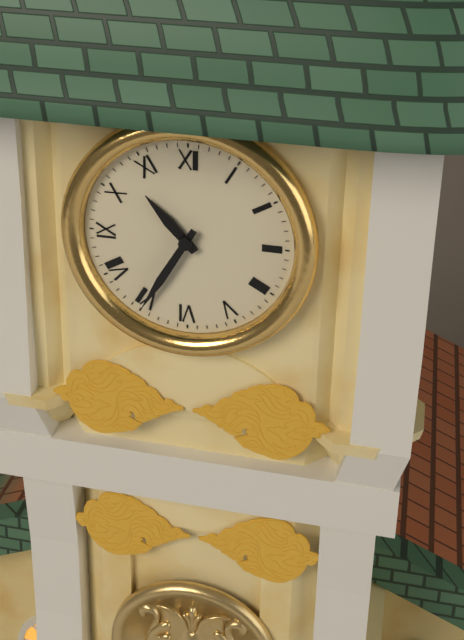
10:35
